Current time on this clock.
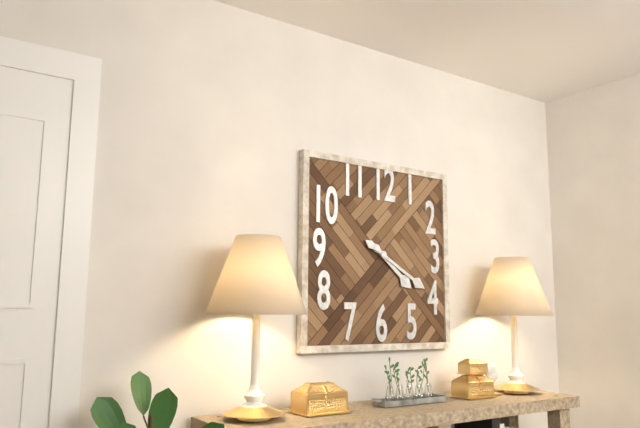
4:20
